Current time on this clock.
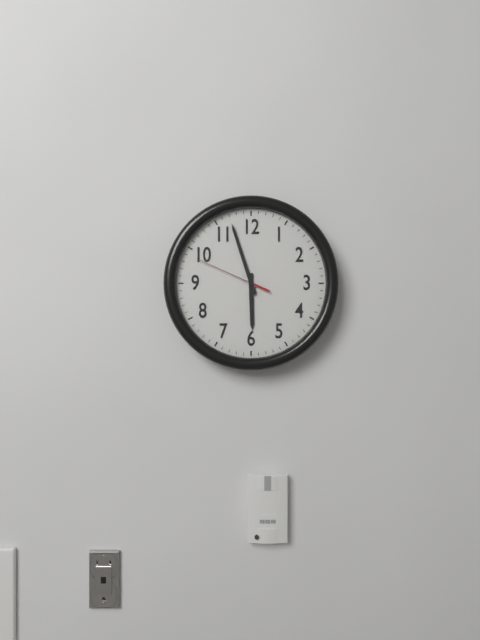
5:57:49
